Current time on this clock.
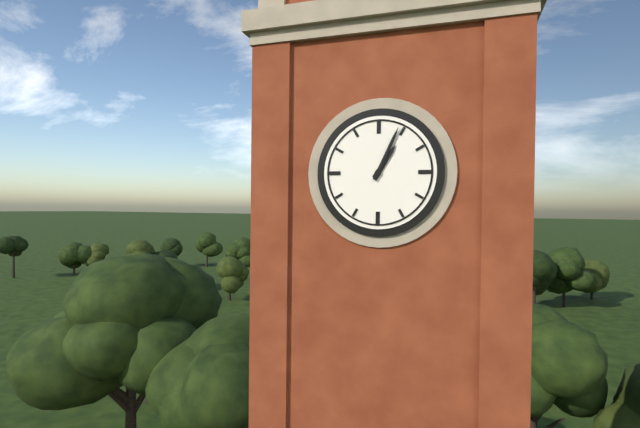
1:04
